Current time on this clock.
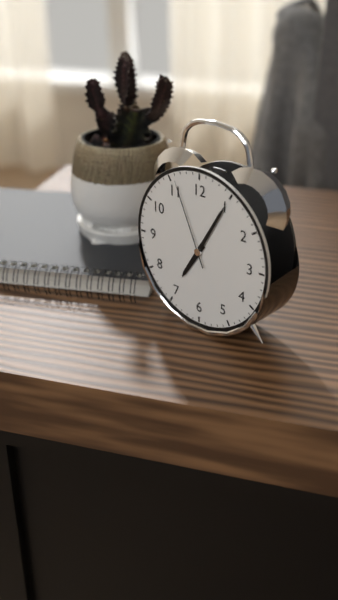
7:05:56
